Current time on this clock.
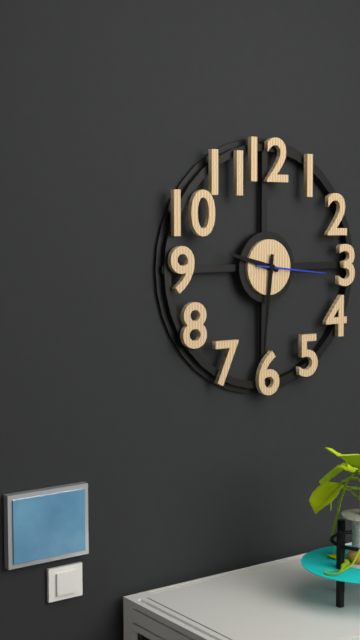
9:31:16
